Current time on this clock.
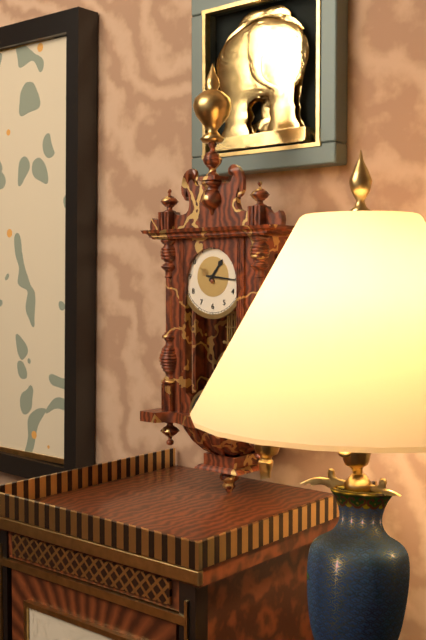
1:16
